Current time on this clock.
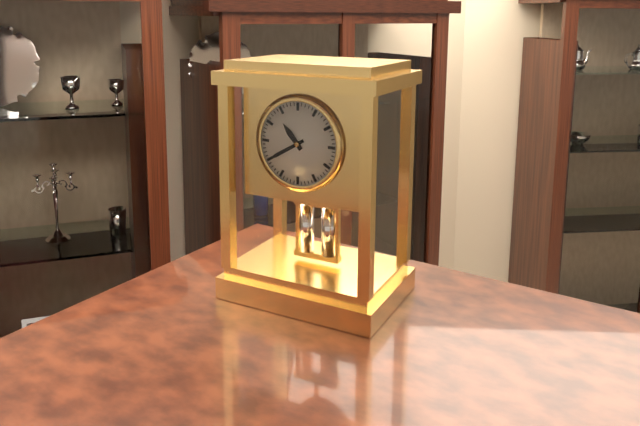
10:40
